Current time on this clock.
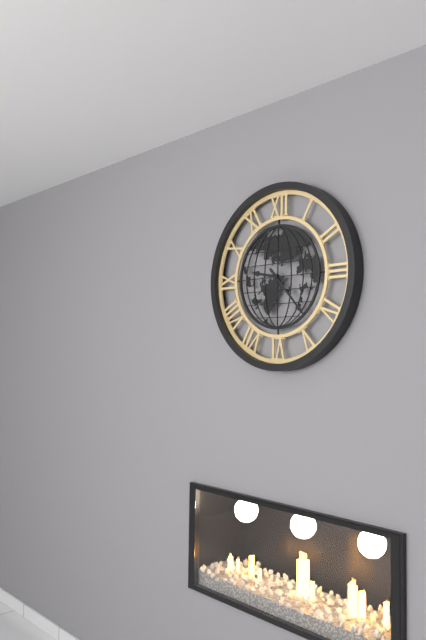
9:23
